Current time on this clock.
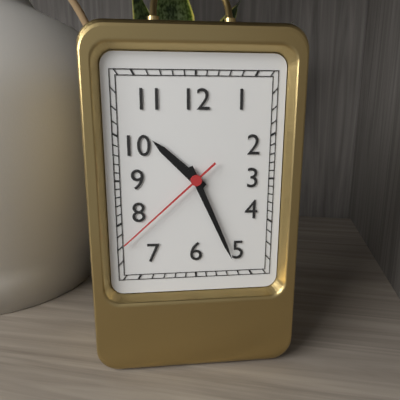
10:26:38
